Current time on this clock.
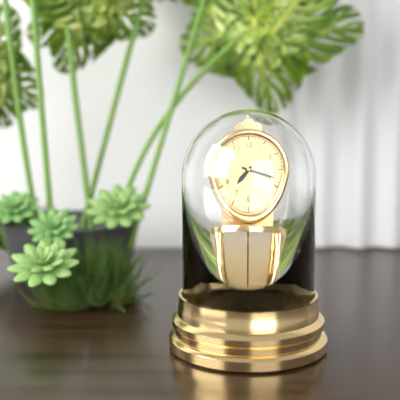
7:18
